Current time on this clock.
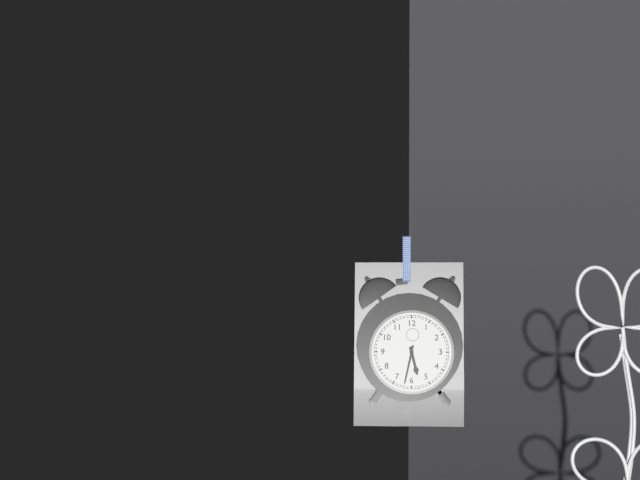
5:32
